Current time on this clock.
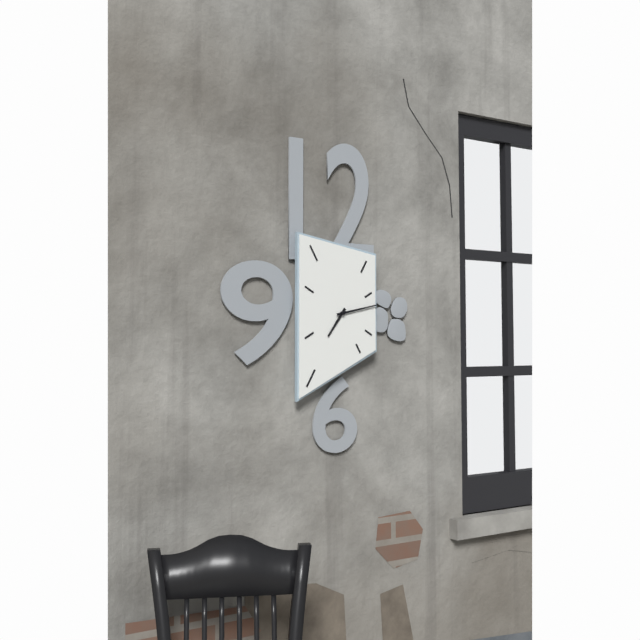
7:13
